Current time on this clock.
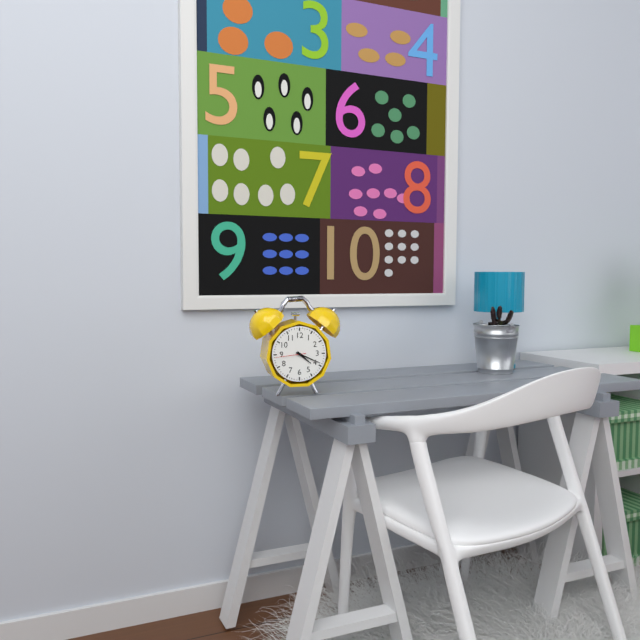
4:19
